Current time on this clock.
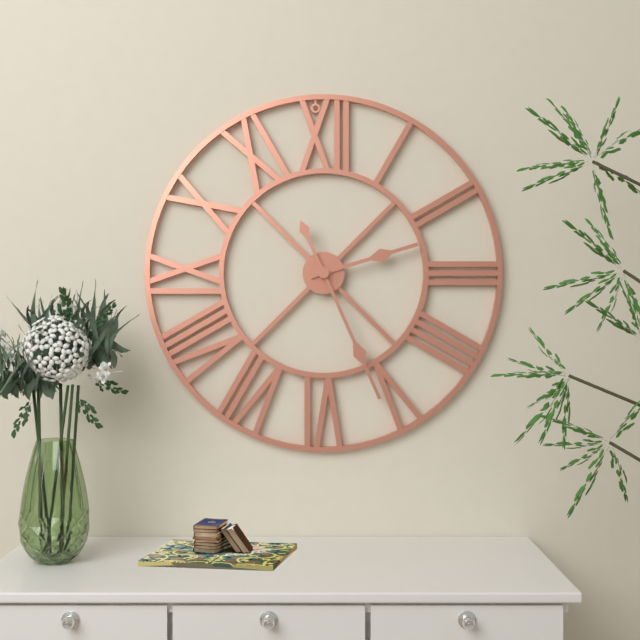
2:26
